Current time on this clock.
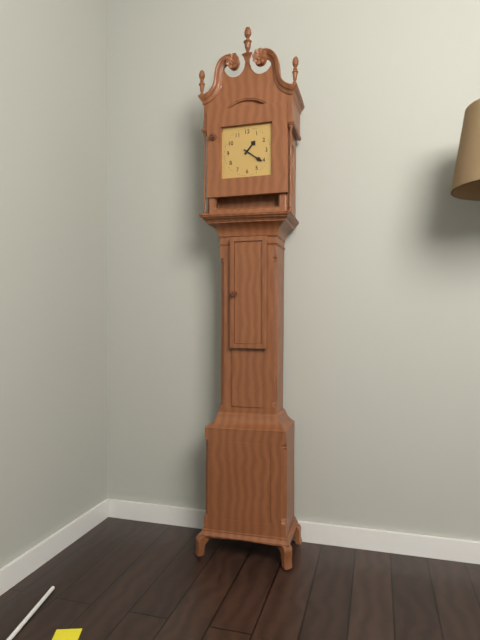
1:21
